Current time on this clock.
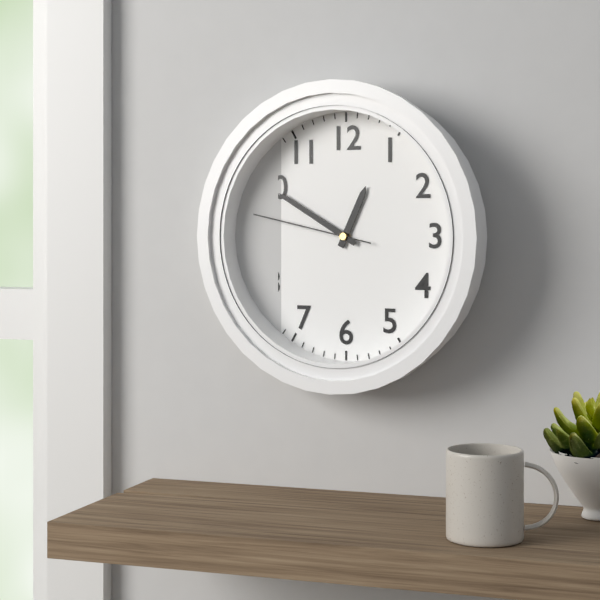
12:50:47
